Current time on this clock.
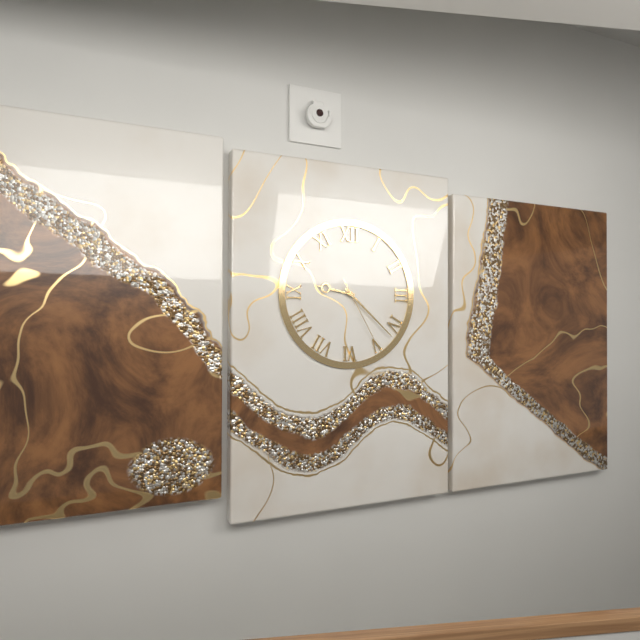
9:22:25
